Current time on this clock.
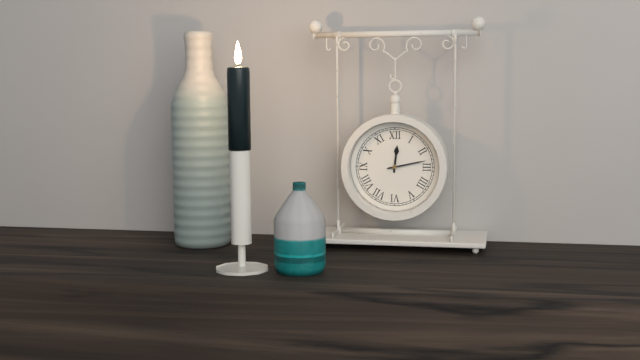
12:13
